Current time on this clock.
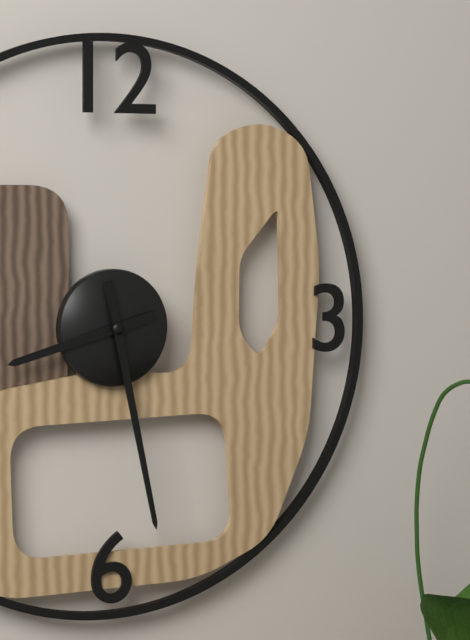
8:28
